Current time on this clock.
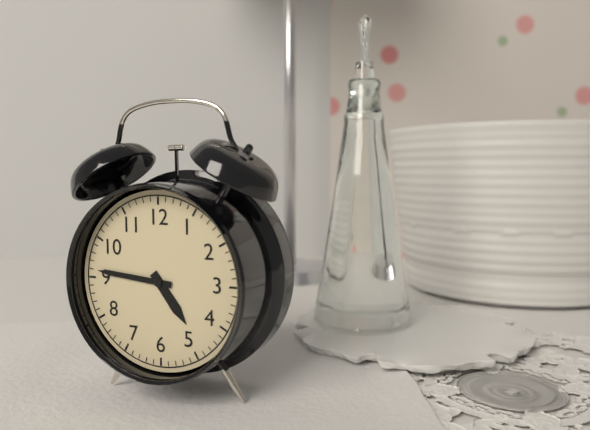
4:46
